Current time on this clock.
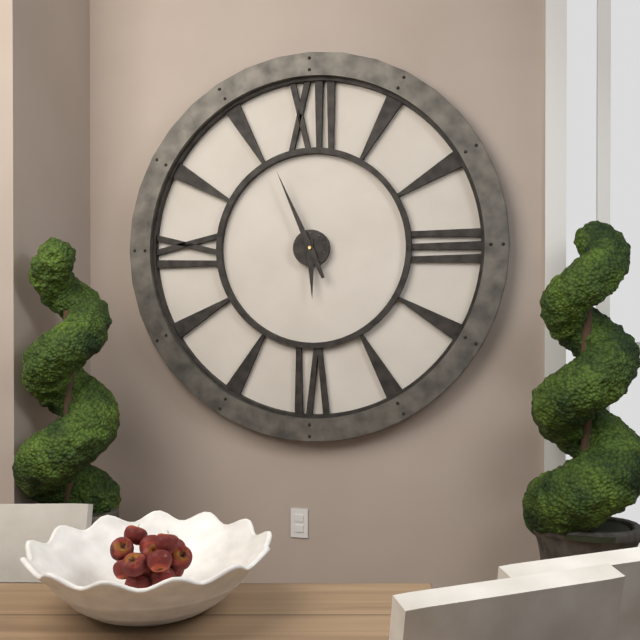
5:56
